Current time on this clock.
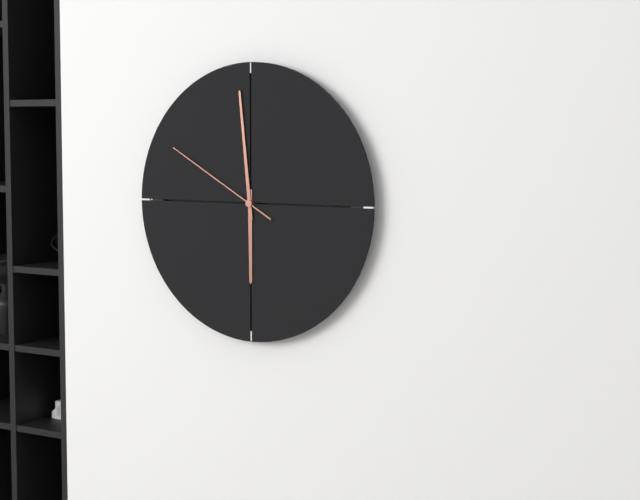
5:59:50
